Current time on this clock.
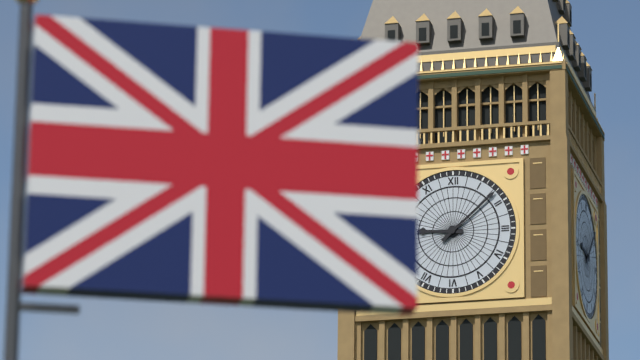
9:08
